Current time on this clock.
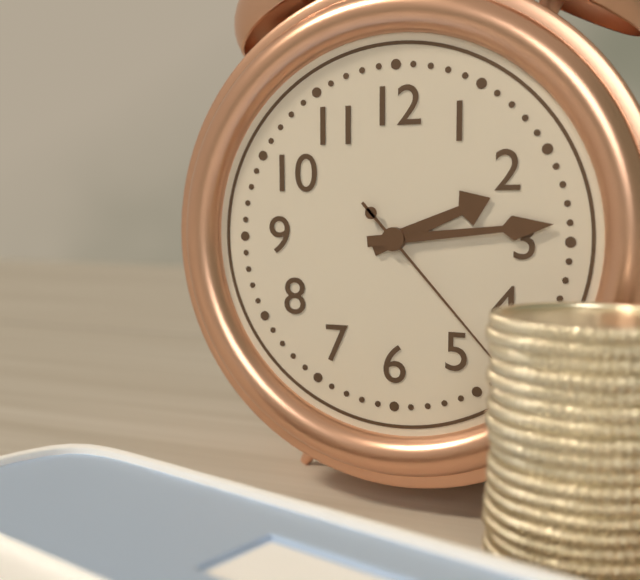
2:14:23
